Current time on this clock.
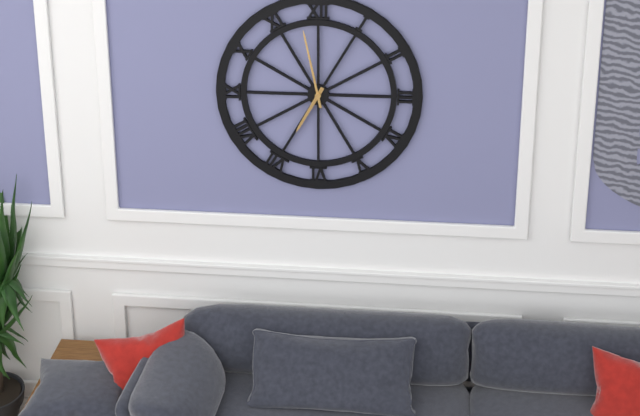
6:58
